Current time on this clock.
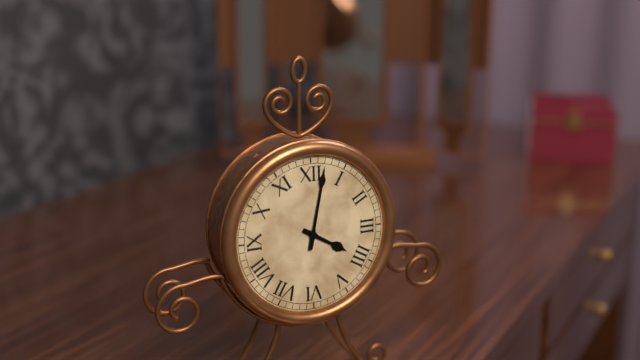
4:02
